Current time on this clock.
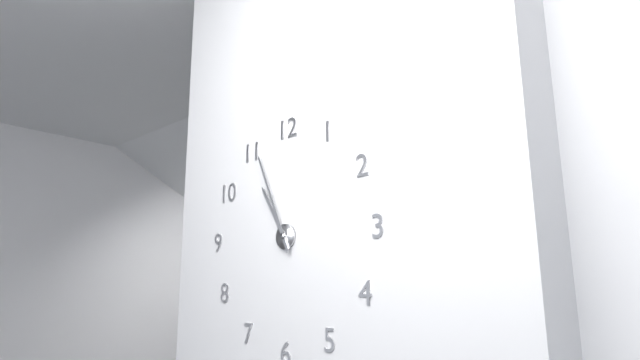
10:56
